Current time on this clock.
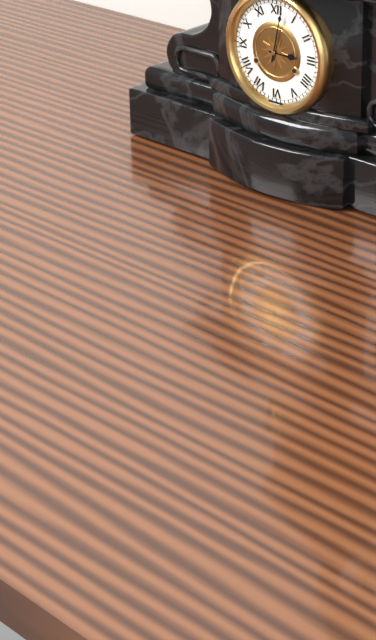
3:02
